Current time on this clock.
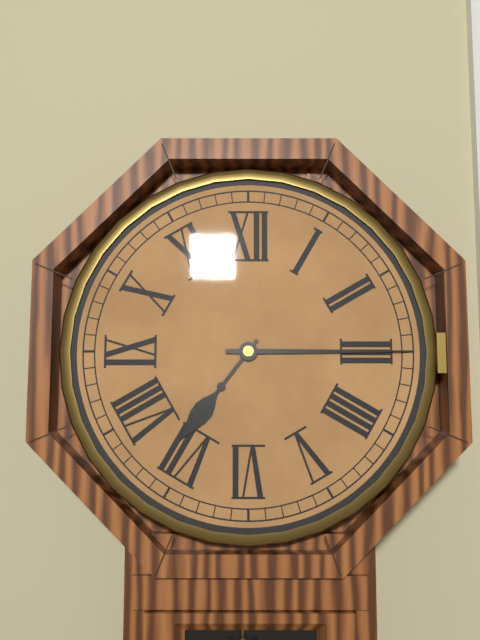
7:15
